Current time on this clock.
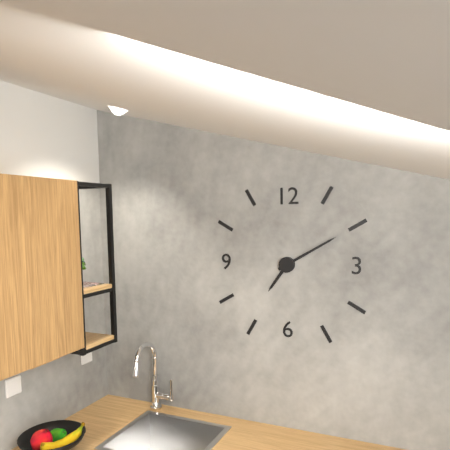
7:10
